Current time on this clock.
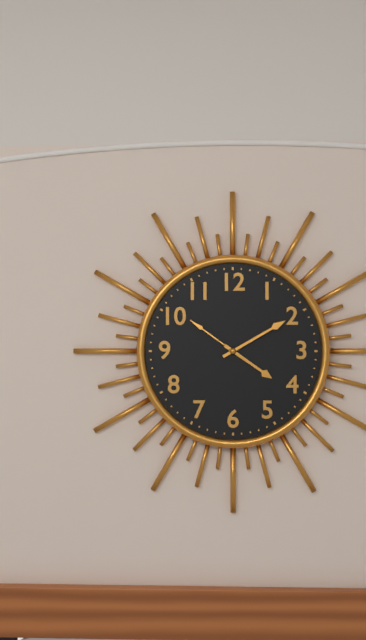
4:10:51
